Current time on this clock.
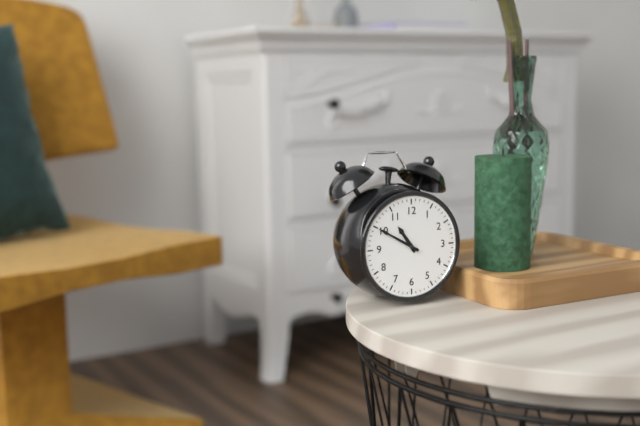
10:50
